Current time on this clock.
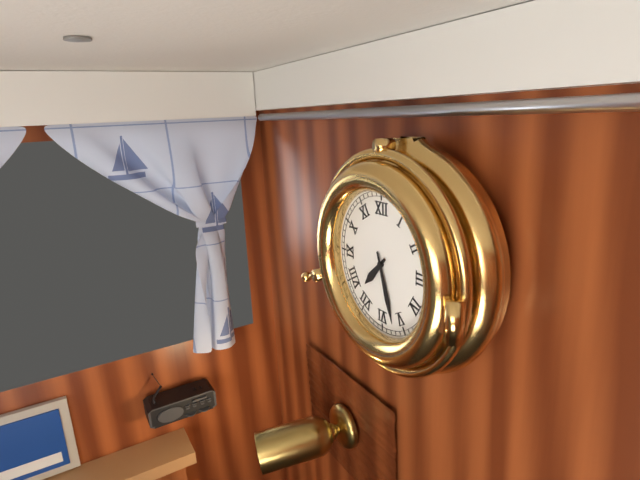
7:27
